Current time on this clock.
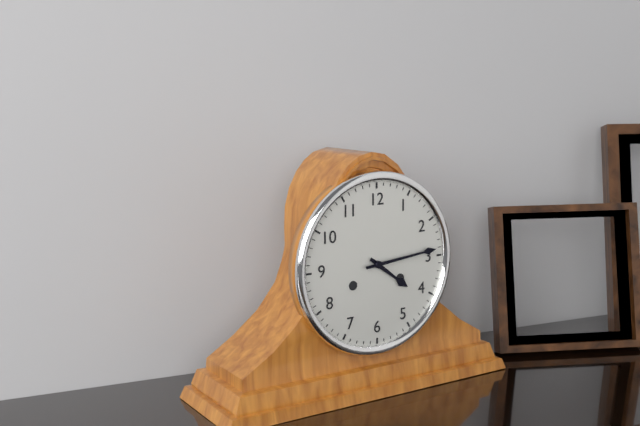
4:14
